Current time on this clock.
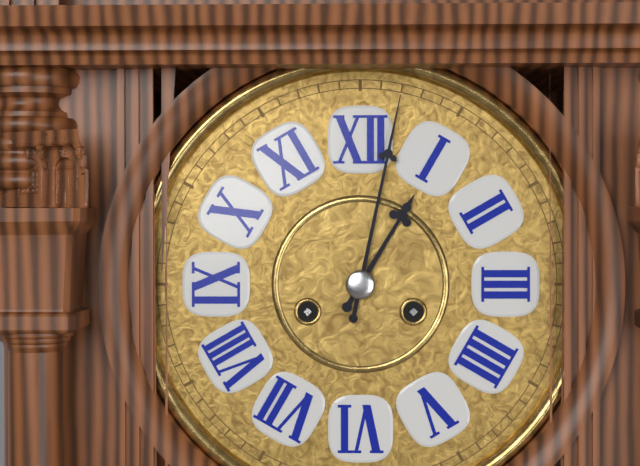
1:02
